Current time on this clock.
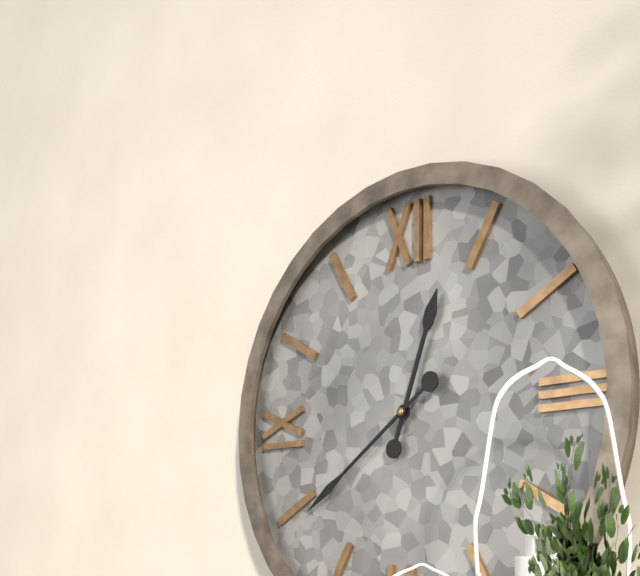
12:39
